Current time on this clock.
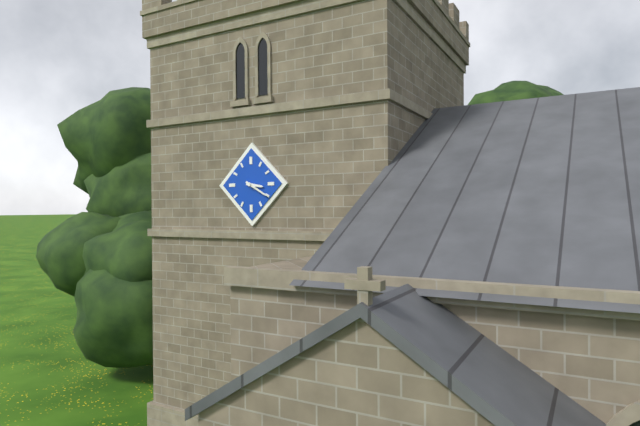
3:20
